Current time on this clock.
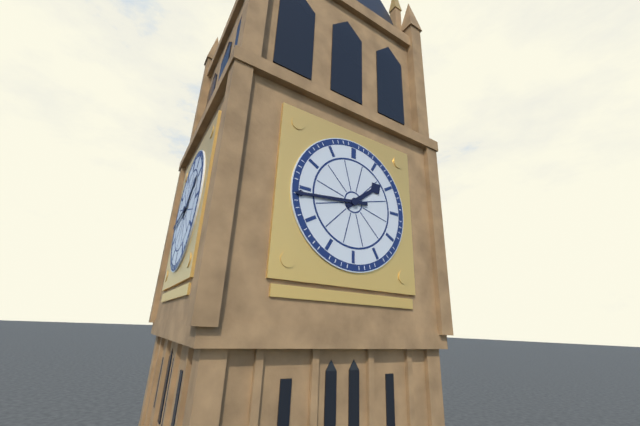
1:44
